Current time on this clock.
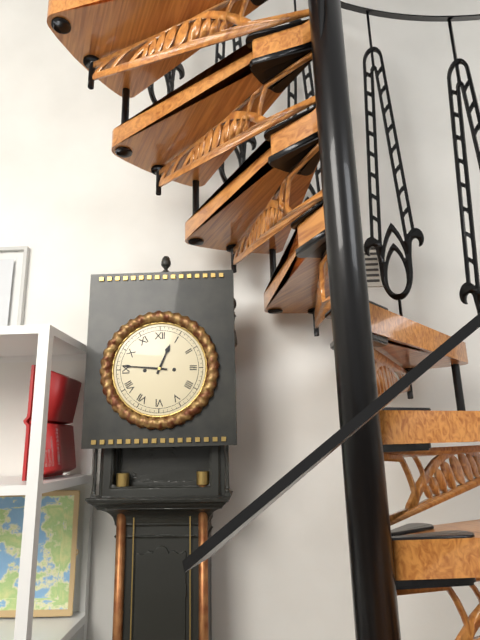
12:46
